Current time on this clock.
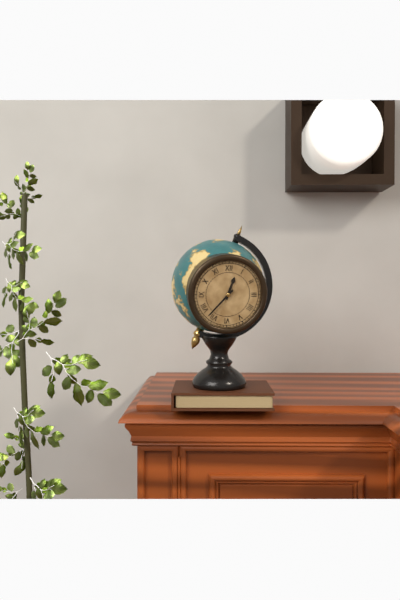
12:37
